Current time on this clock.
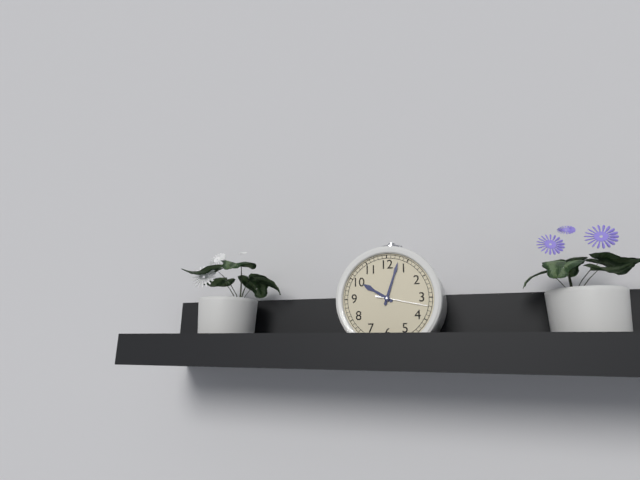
10:03:17
